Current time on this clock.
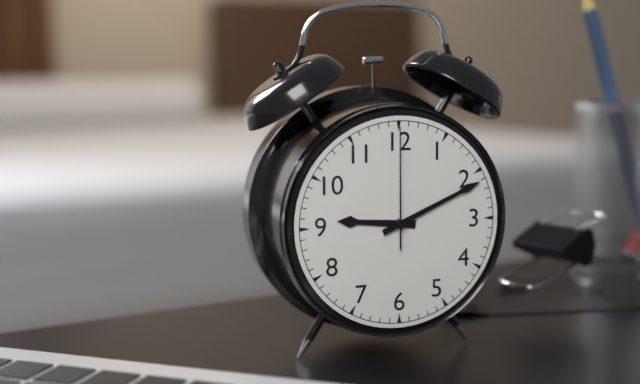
9:11:00
